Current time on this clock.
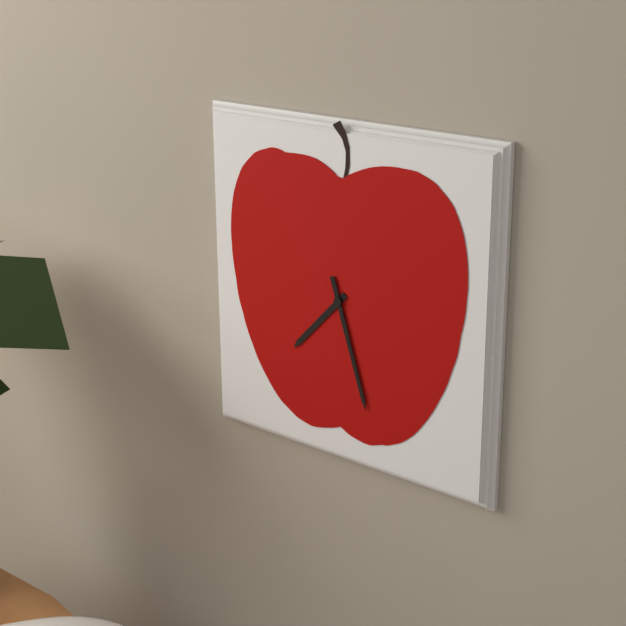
7:27
